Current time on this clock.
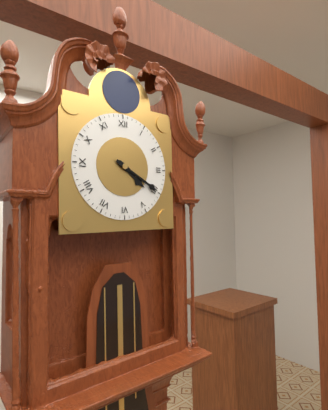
4:20
